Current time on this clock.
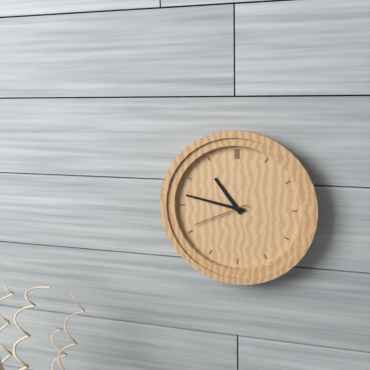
10:47:41
